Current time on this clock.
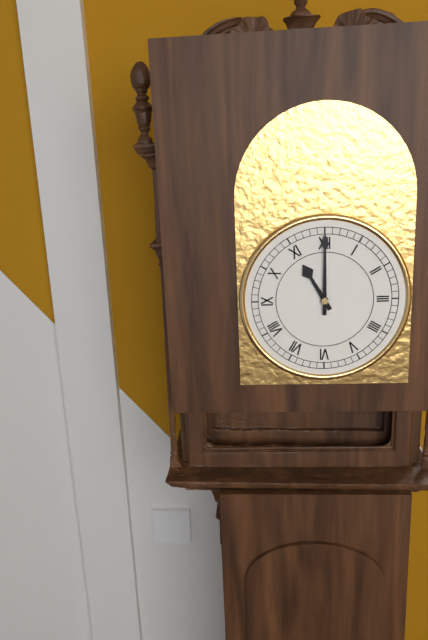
11:00
